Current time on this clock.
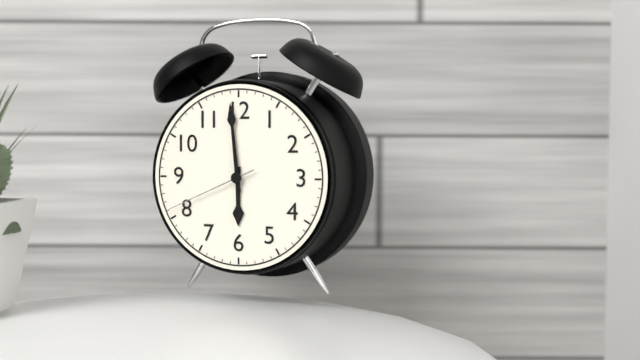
5:59:41
